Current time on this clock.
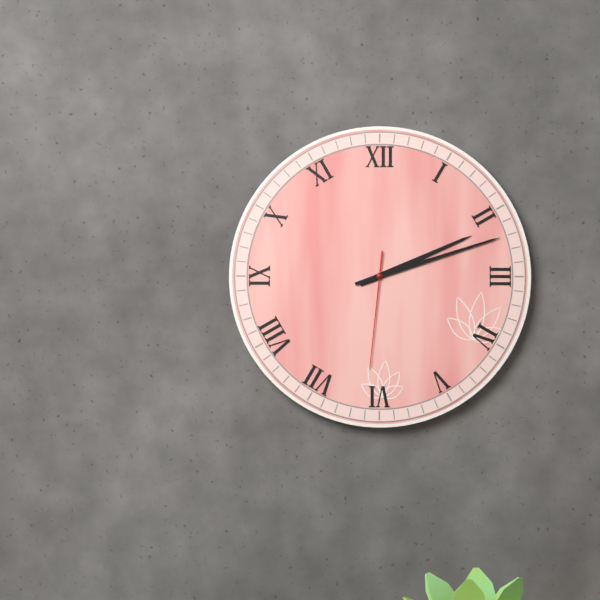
2:12:31
